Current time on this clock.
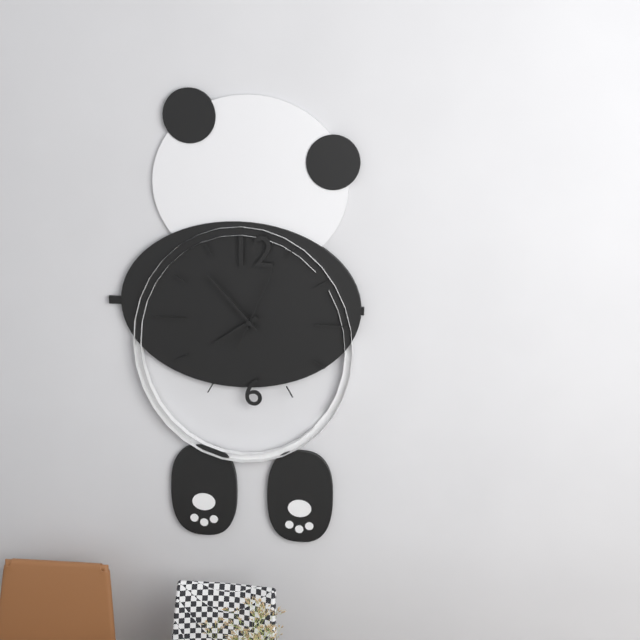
7:53:04
